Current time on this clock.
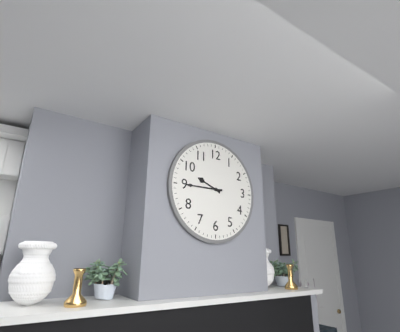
9:45
